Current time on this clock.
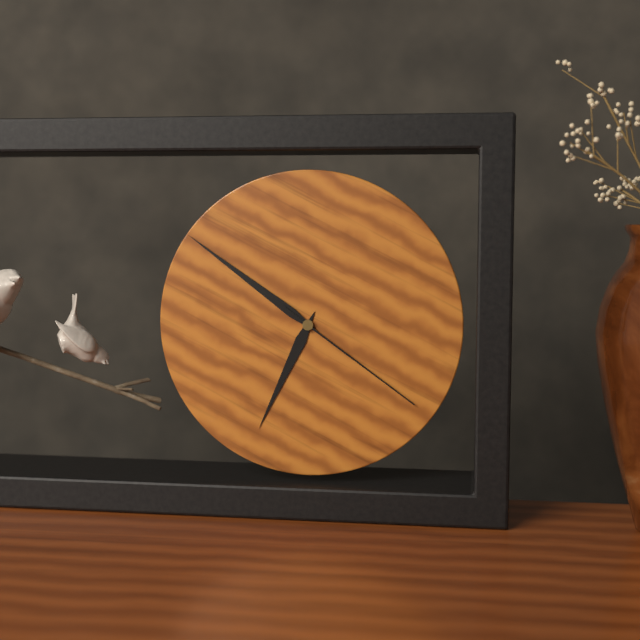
6:51:21
